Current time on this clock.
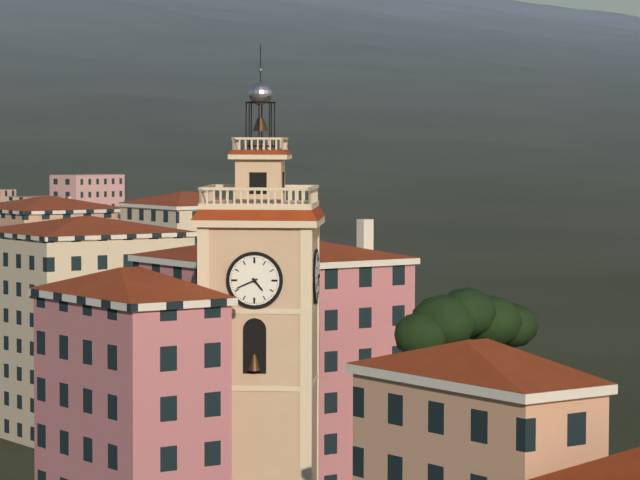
4:41
